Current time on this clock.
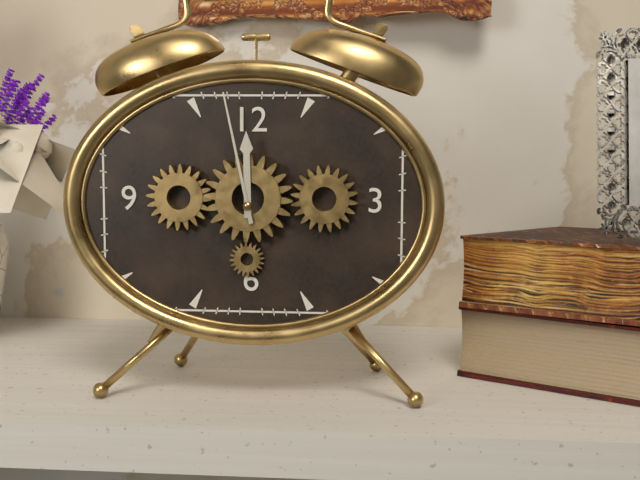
11:58
